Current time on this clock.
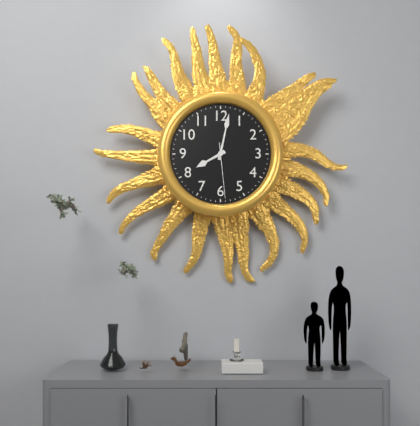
8:02:29
